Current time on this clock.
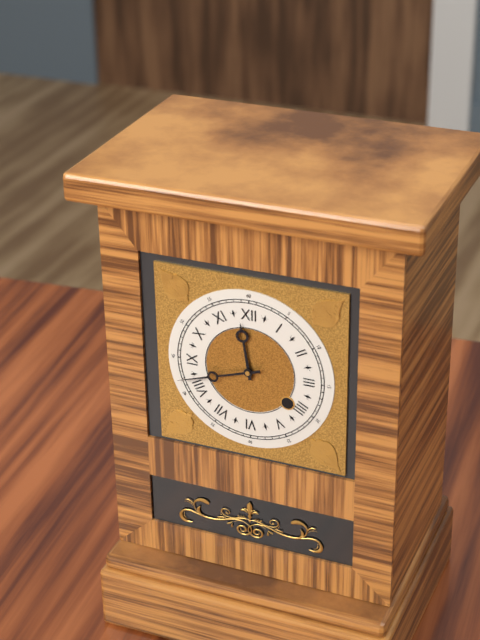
11:42
